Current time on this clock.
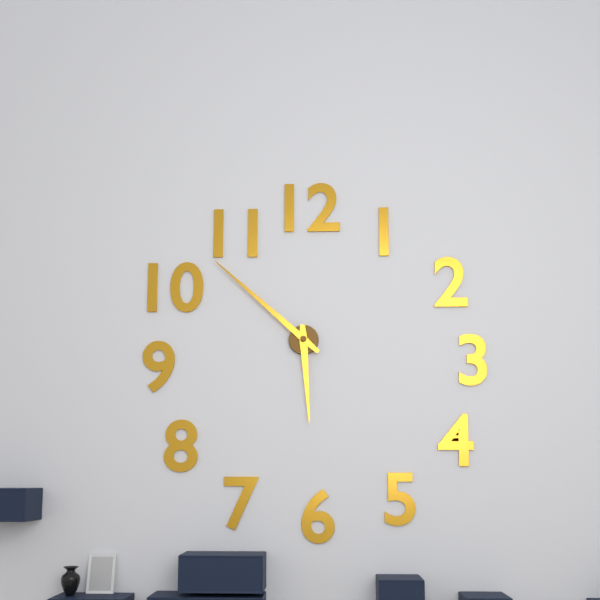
5:52
